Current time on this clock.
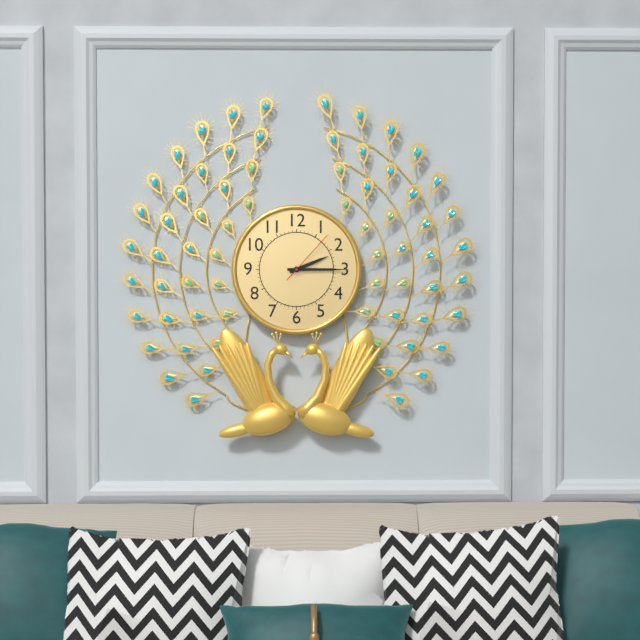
2:15:07
